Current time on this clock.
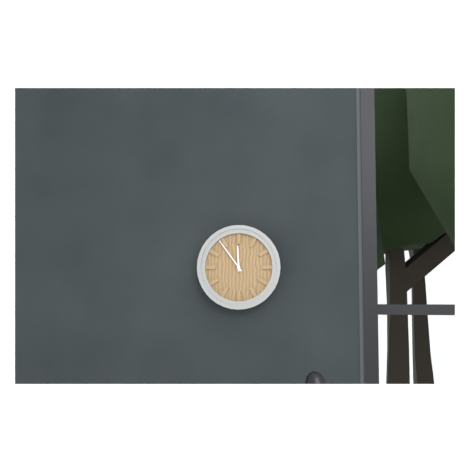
11:54
